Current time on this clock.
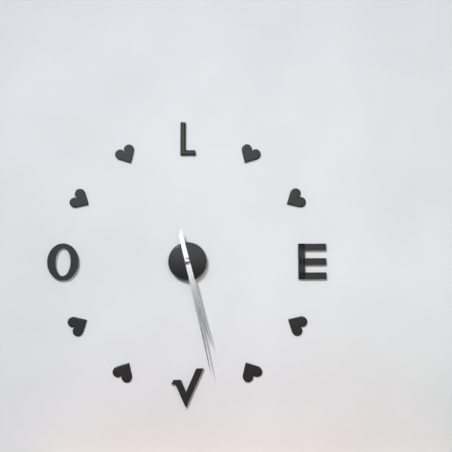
5:28
